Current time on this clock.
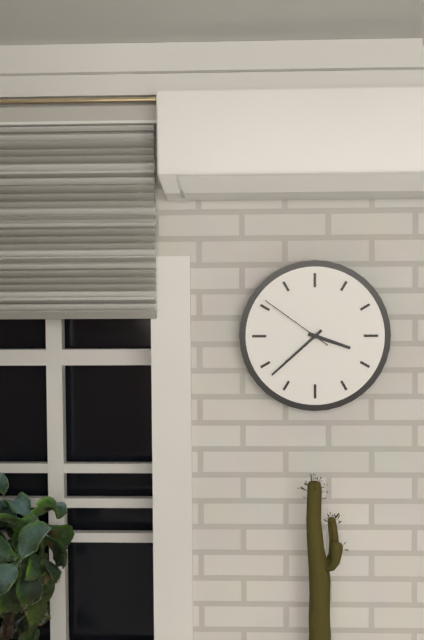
3:38:51
